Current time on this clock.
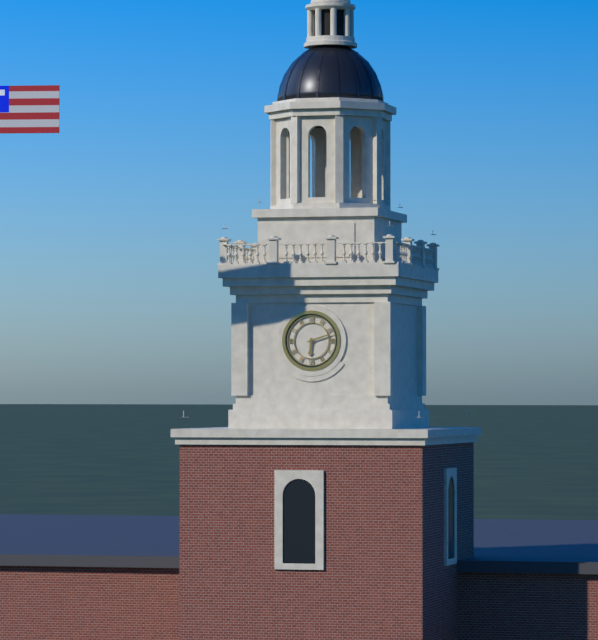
6:12
